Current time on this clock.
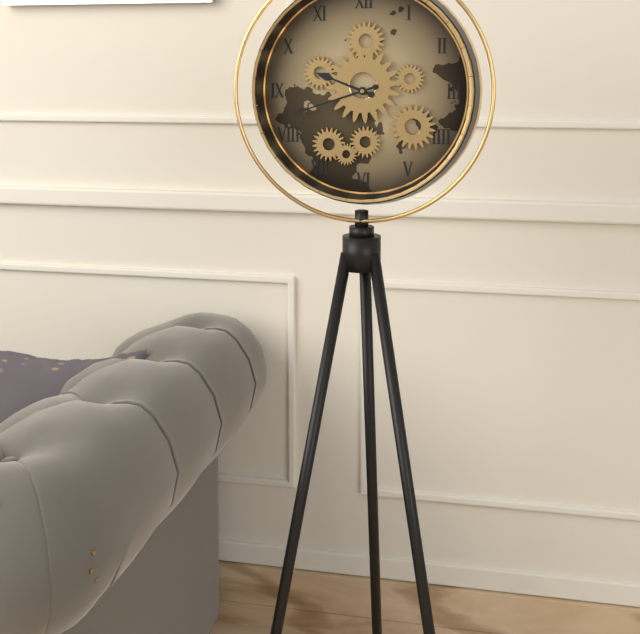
9:42
